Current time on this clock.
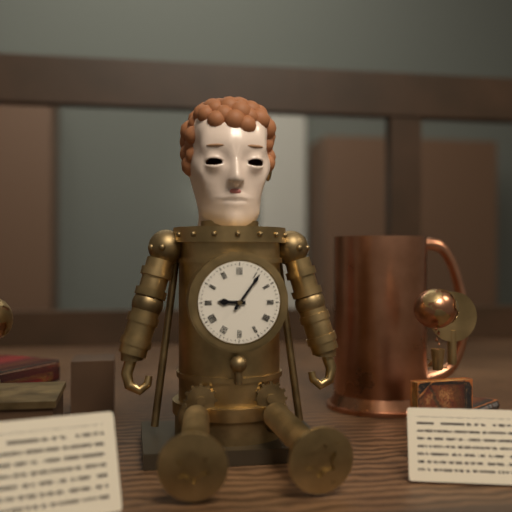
9:06
